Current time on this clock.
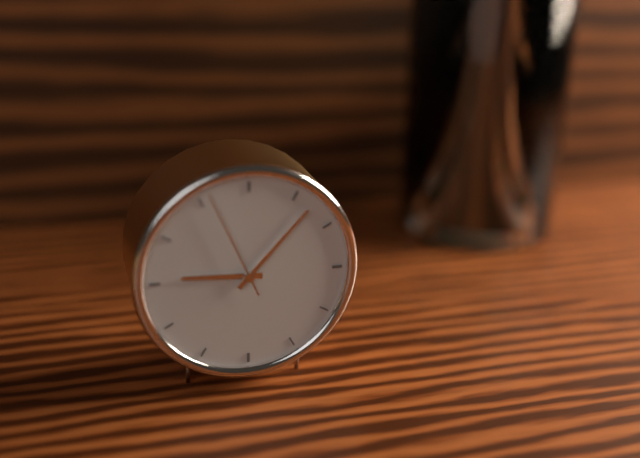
9:07:56
